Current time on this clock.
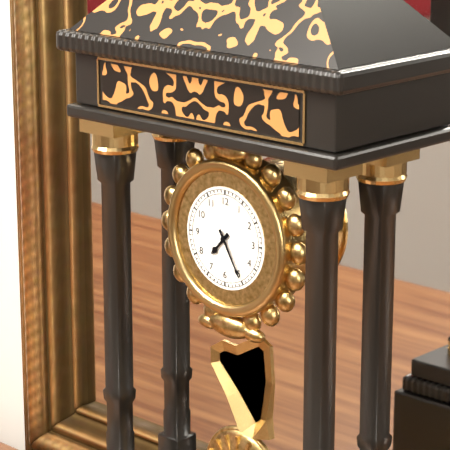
7:25
